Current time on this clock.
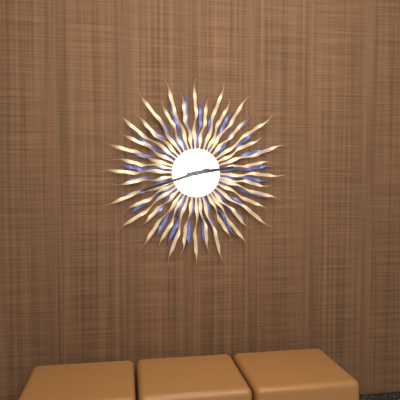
2:42
